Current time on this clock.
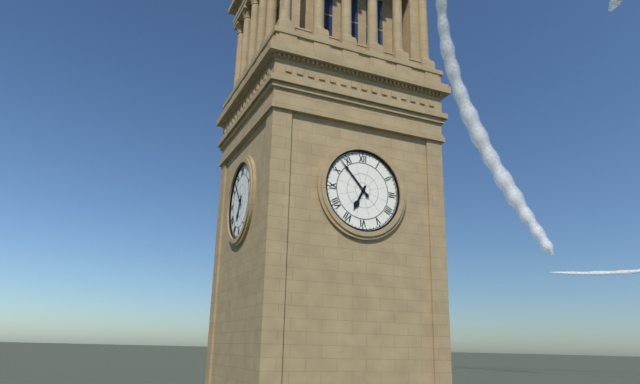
6:53
